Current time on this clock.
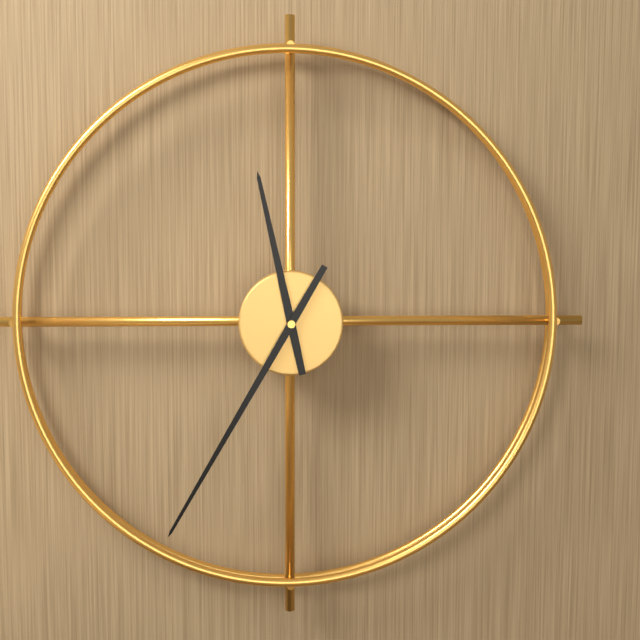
11:35
